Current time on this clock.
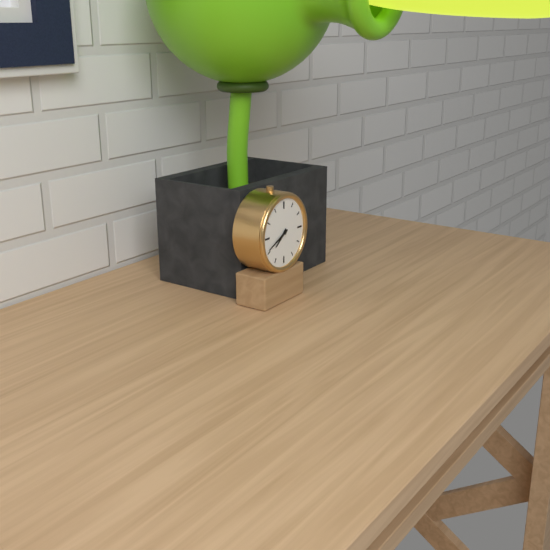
7:41
